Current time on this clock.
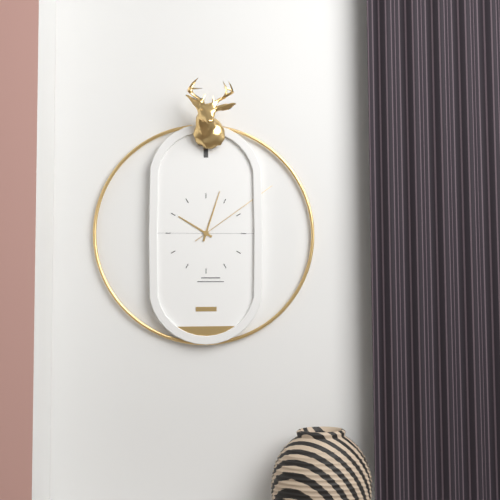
10:03:09
